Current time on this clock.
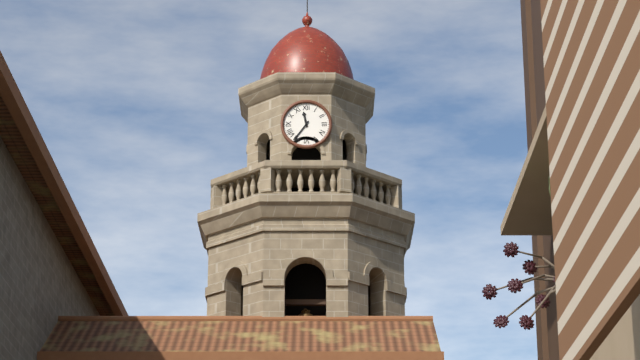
11:36
